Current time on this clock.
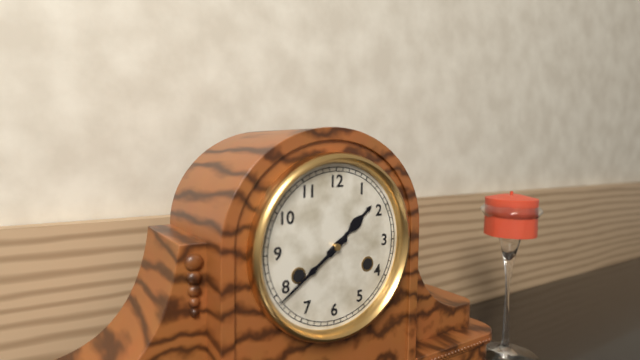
1:39
